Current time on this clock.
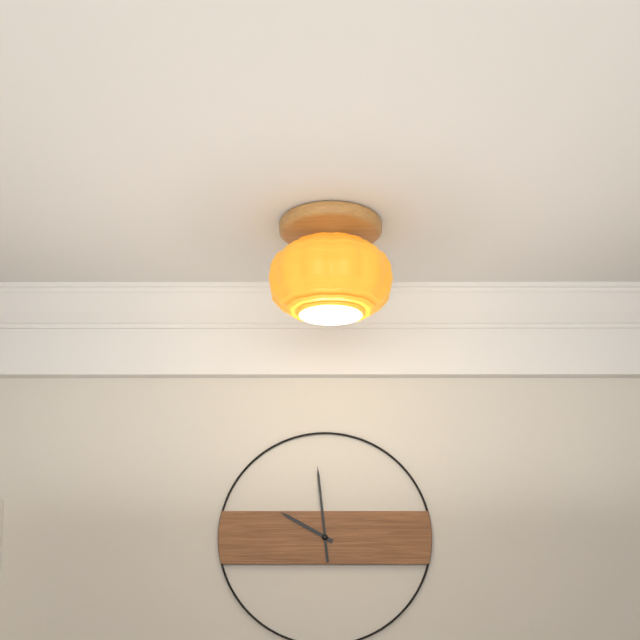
9:59
